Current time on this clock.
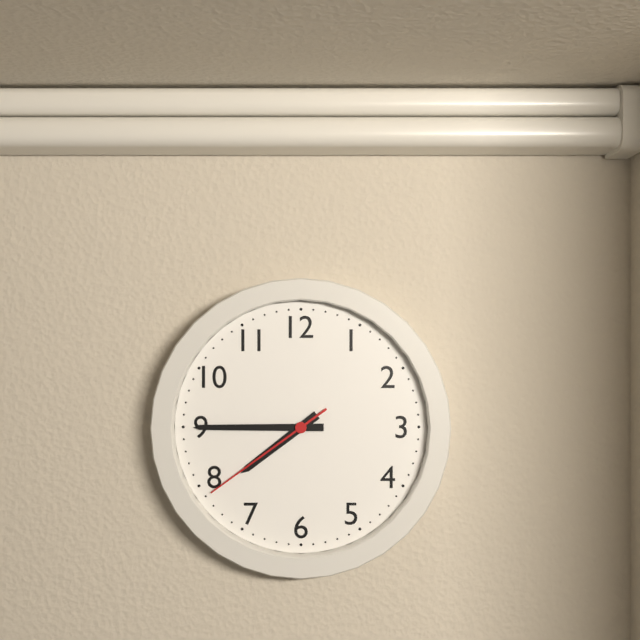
7:45:39
